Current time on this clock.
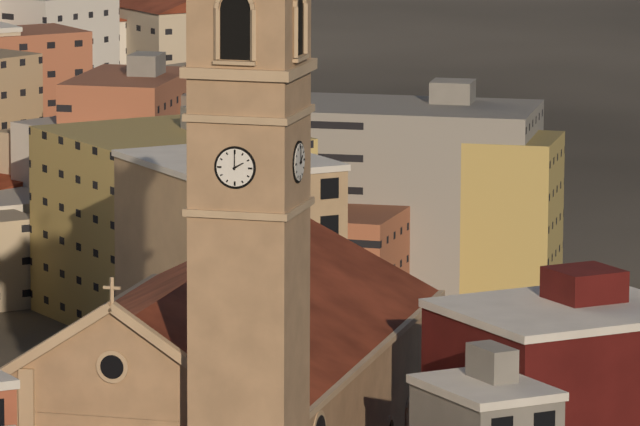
2:00
